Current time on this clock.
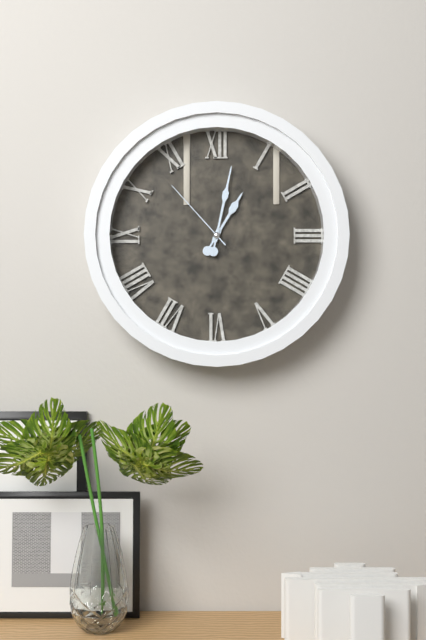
1:02:53
